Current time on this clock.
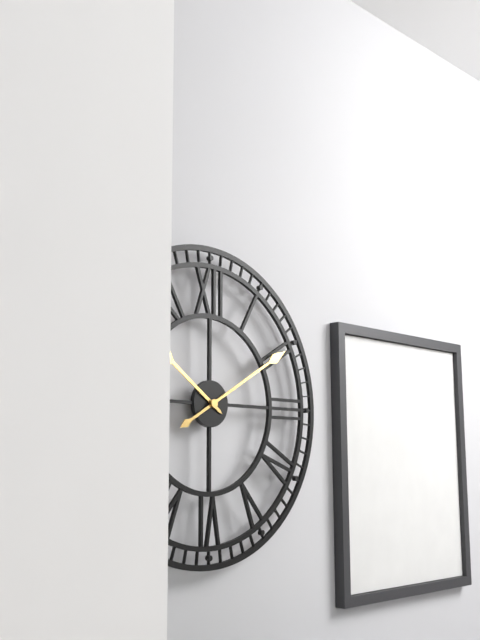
10:10
